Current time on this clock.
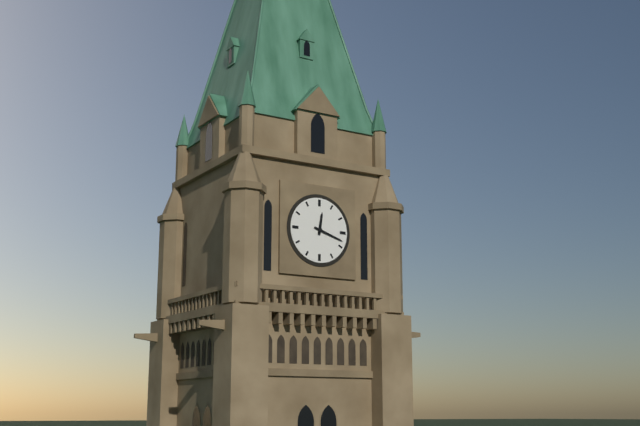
12:18
